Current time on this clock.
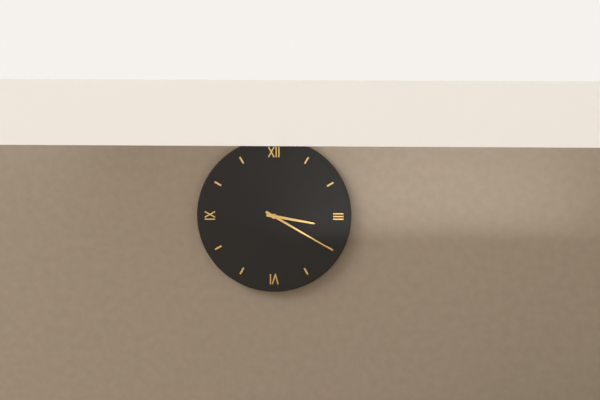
3:20
